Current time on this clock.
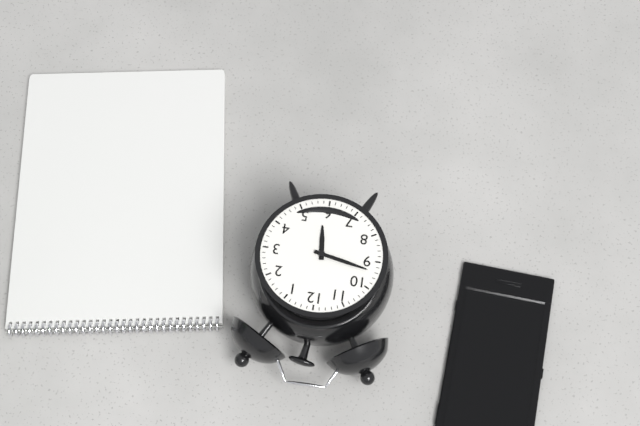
5:47
